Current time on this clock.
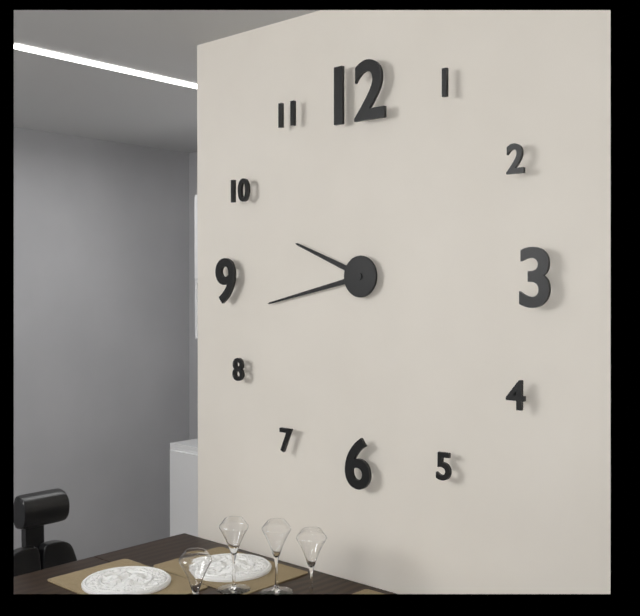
9:43
